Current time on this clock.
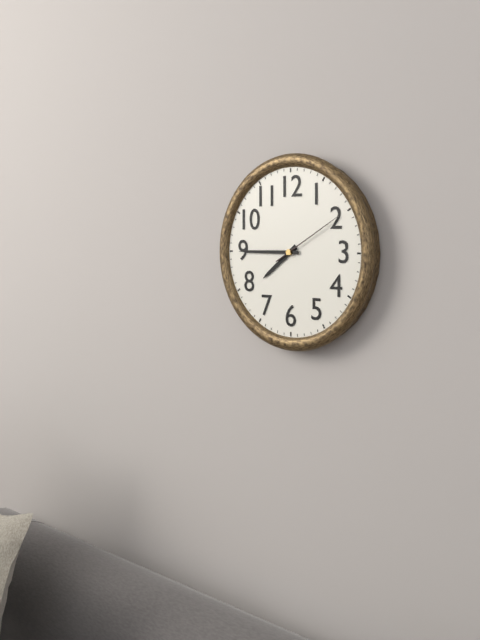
7:45:10
